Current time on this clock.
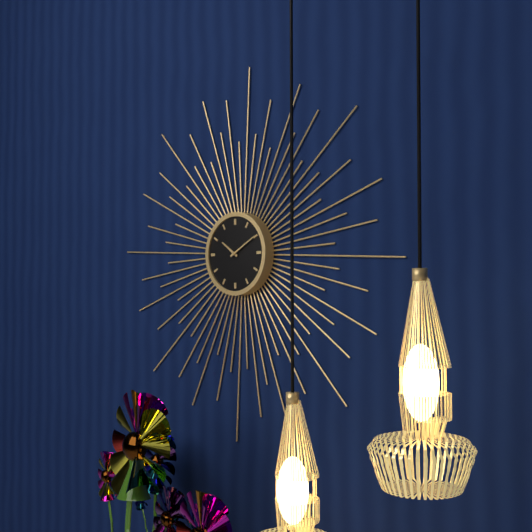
10:10
